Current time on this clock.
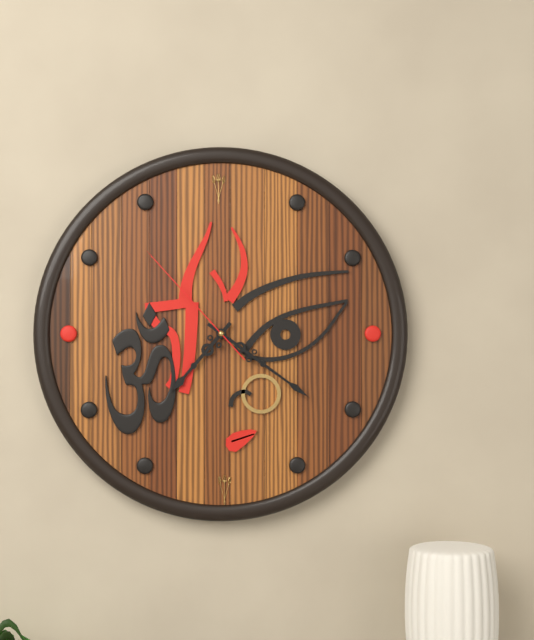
7:21:53
